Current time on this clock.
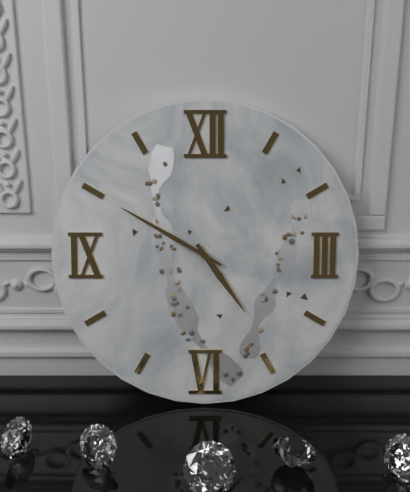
4:50
